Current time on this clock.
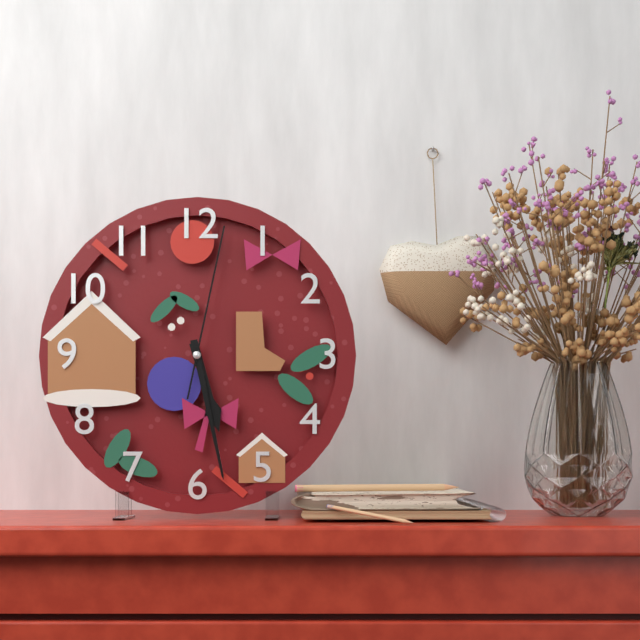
5:28:02
